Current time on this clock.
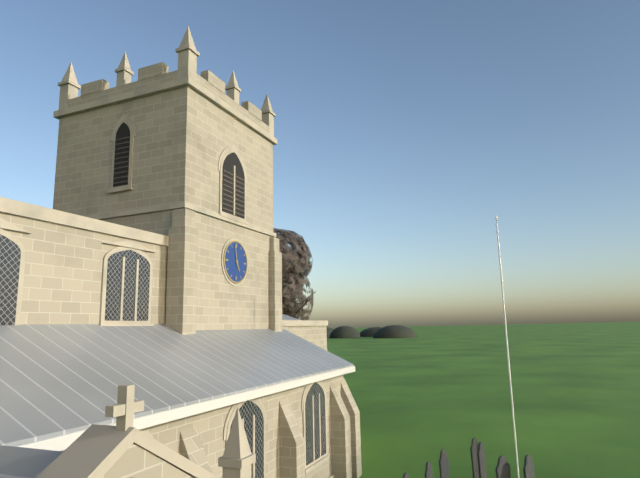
4:58
